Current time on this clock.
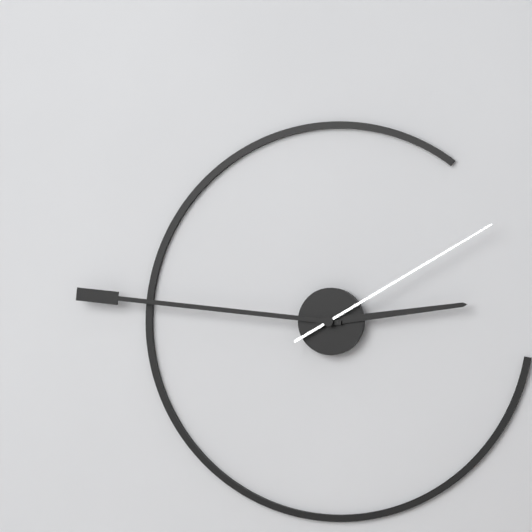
2:46:10
